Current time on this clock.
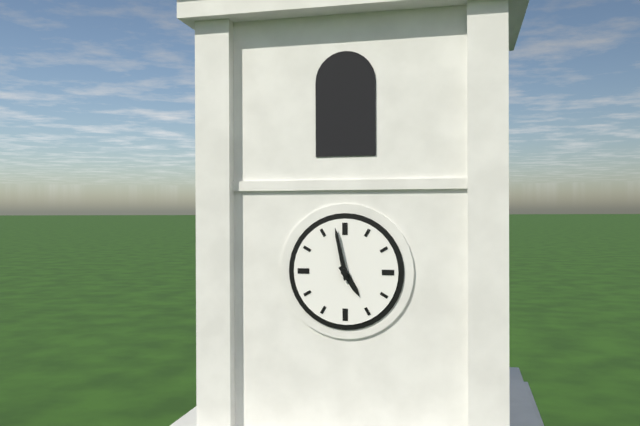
4:58
